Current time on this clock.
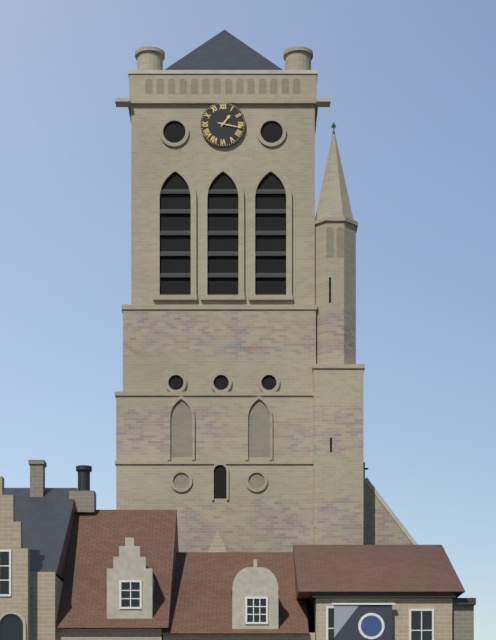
1:17
